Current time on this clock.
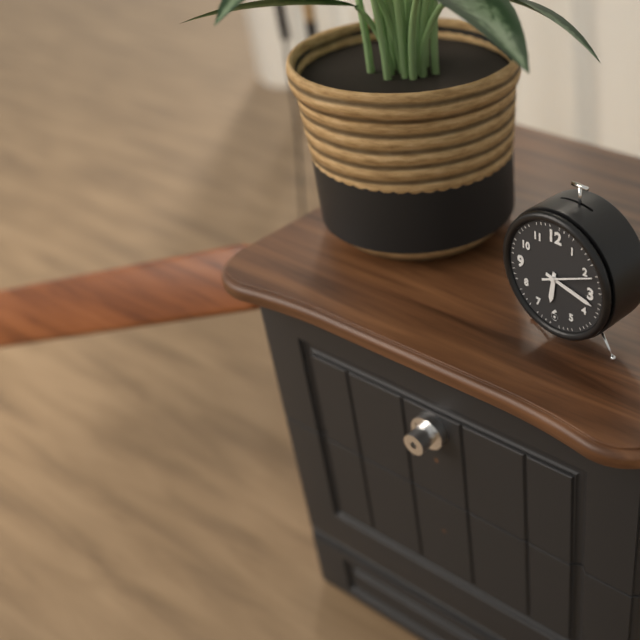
6:17:11
